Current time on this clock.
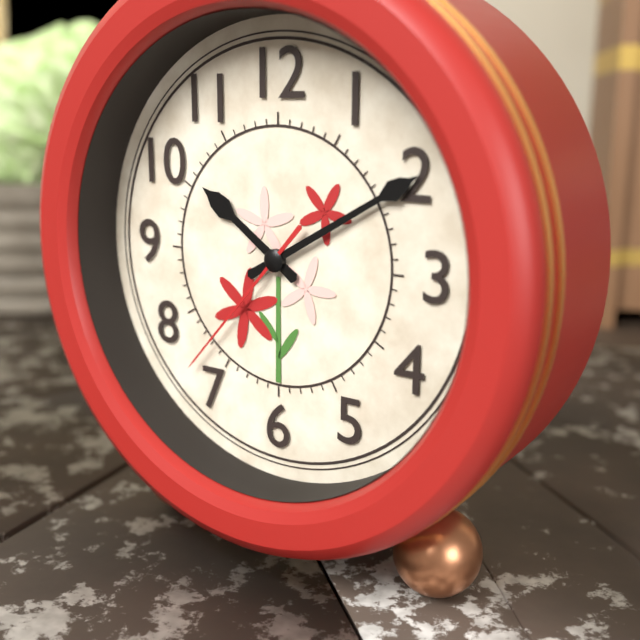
10:10:37
